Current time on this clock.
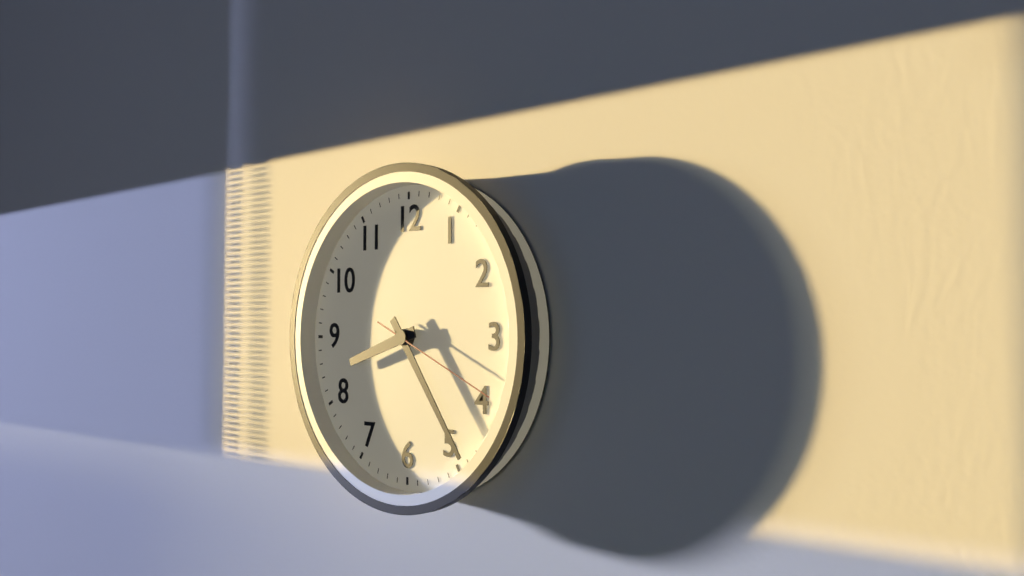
8:24:19
